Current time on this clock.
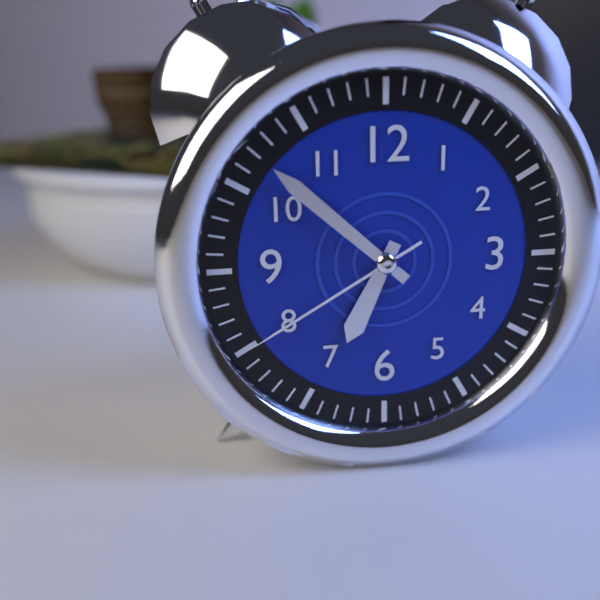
6:52:40
